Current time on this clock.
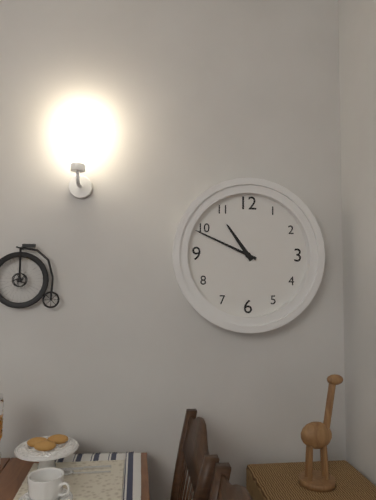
10:49
